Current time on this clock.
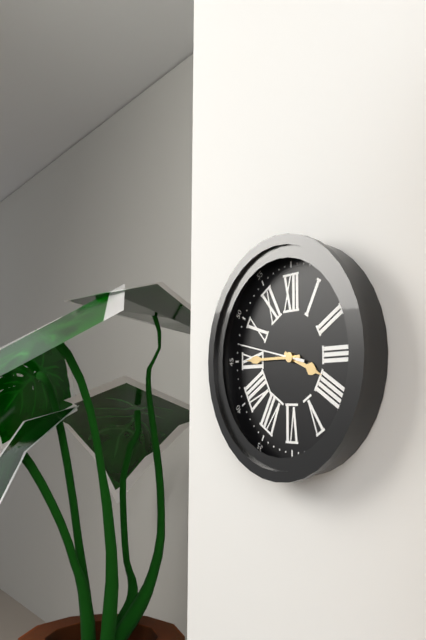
3:45:47
